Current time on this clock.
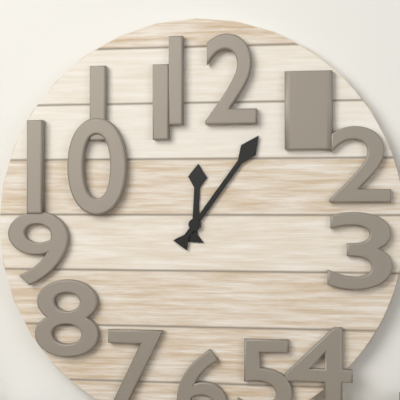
12:06
